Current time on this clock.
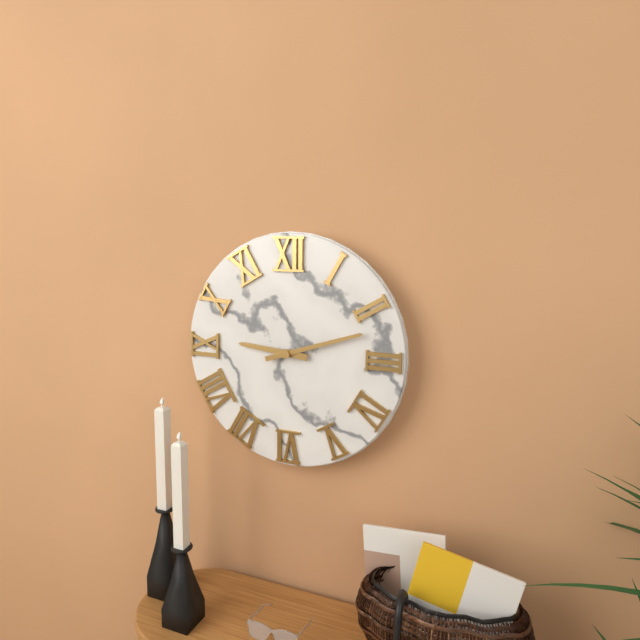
9:12
